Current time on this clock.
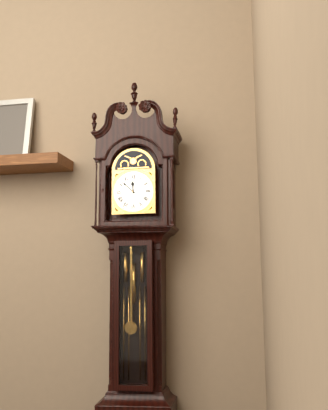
11:52
